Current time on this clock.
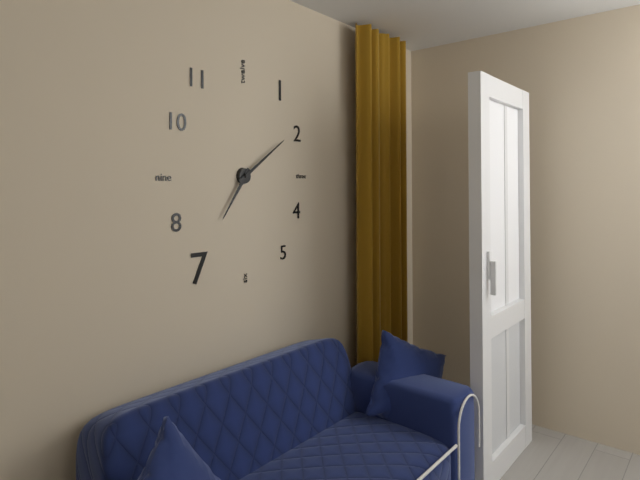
7:09
